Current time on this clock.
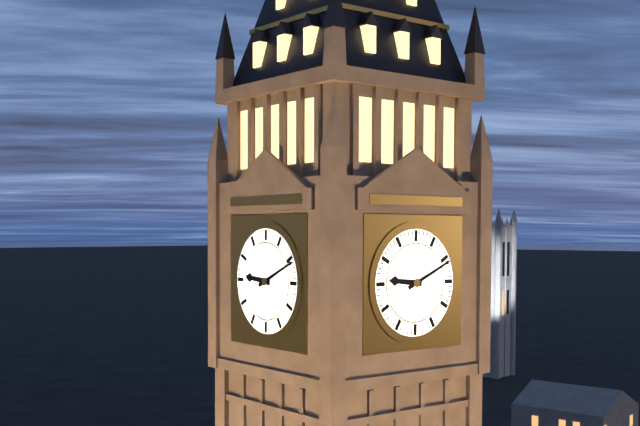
9:11
